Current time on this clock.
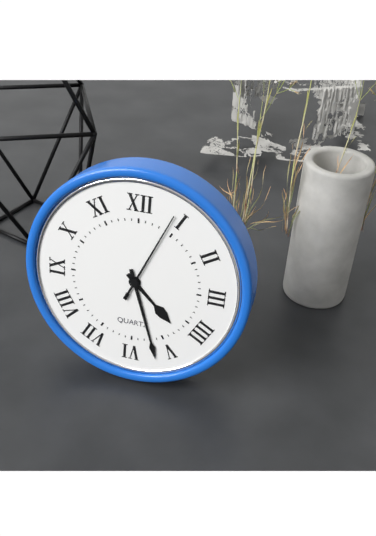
4:27:04
